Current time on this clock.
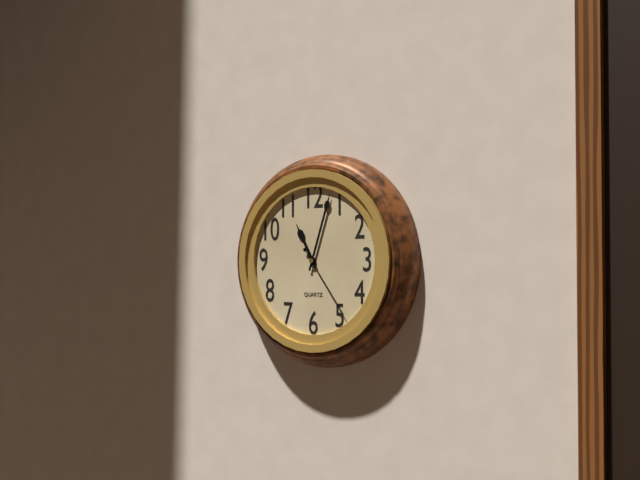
11:03:24
